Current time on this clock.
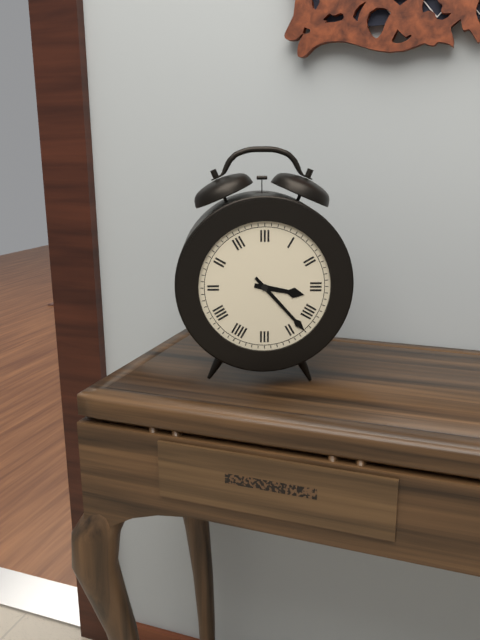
3:23
